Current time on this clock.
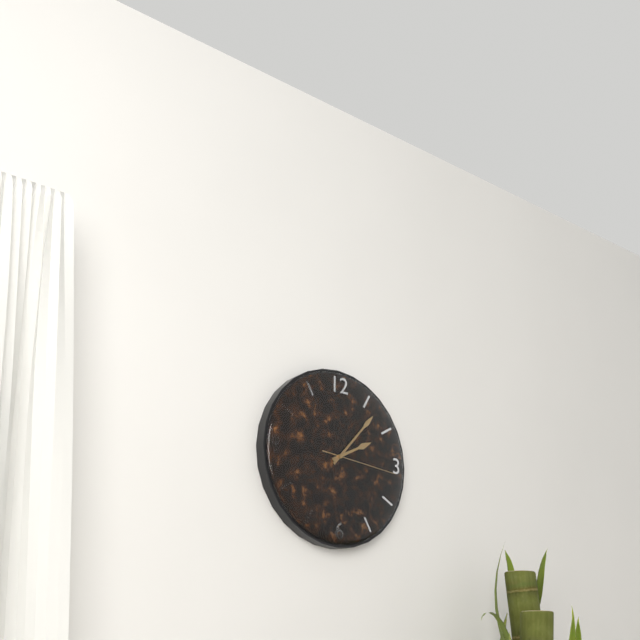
2:07:16
